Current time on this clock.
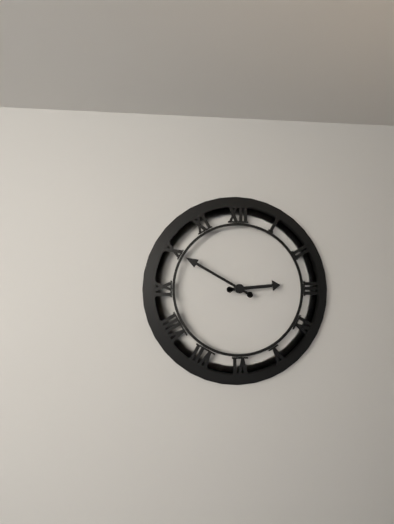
2:50
